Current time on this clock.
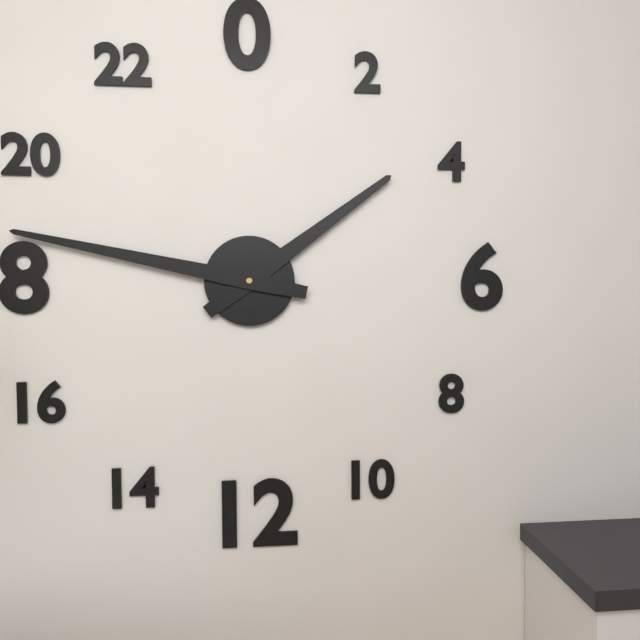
1:47
